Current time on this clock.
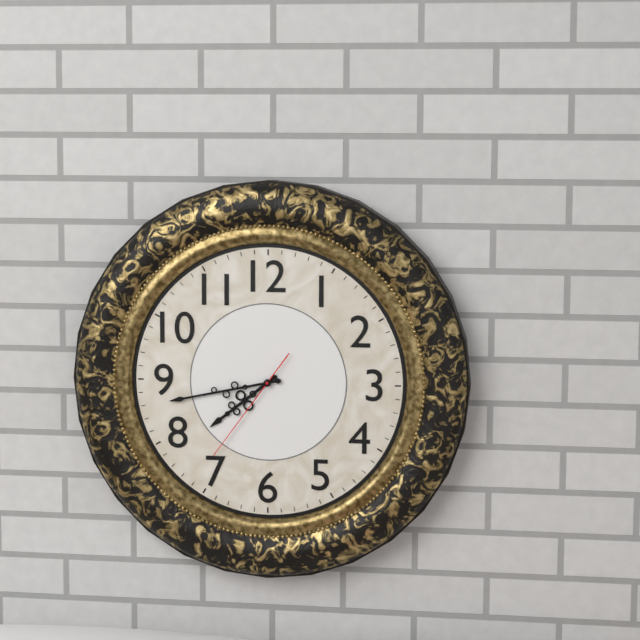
7:43:36
